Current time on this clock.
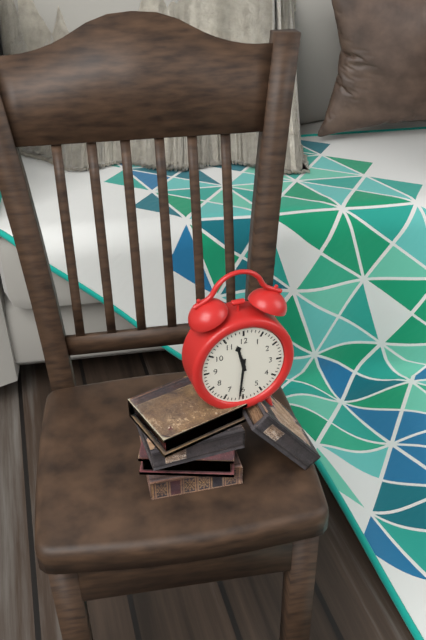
11:31
